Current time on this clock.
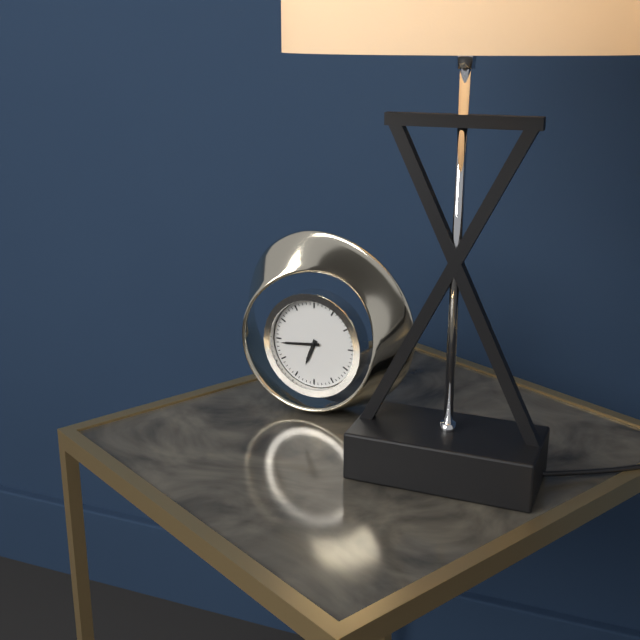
6:44
